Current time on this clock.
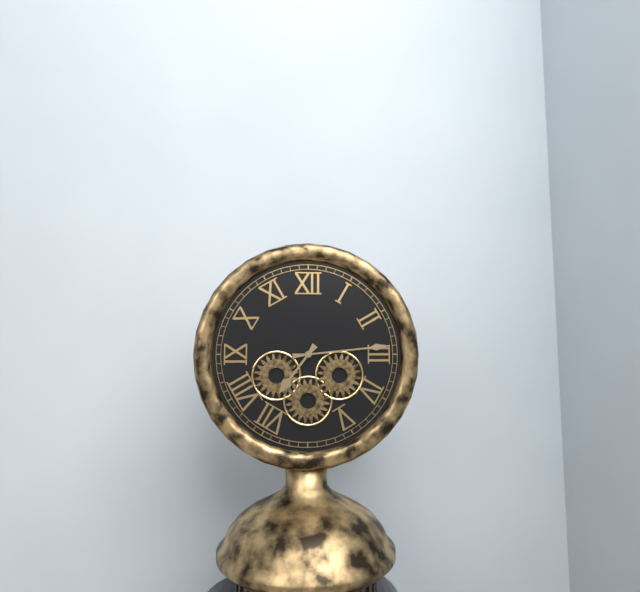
7:14
